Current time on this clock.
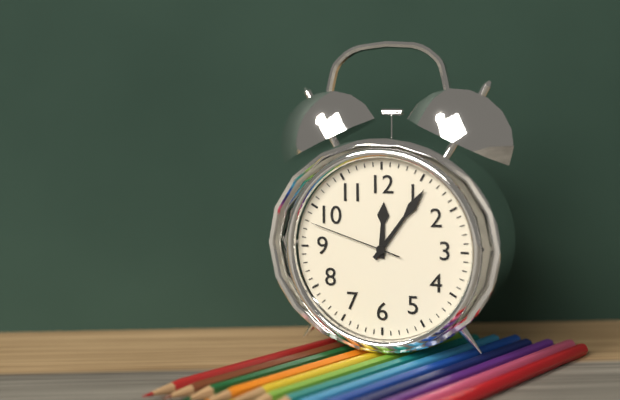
12:06:48
